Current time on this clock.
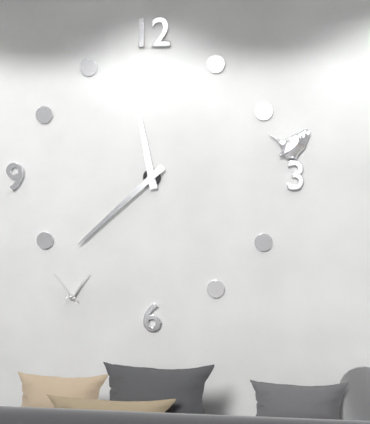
11:38
